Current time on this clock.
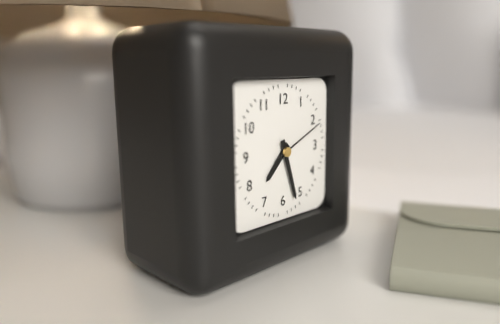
7:27:11
